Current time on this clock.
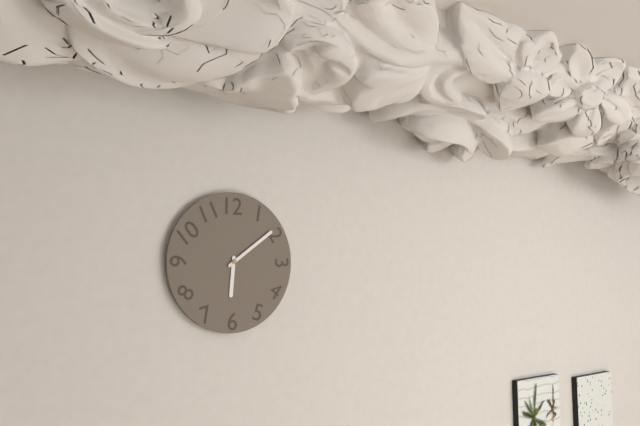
6:09
